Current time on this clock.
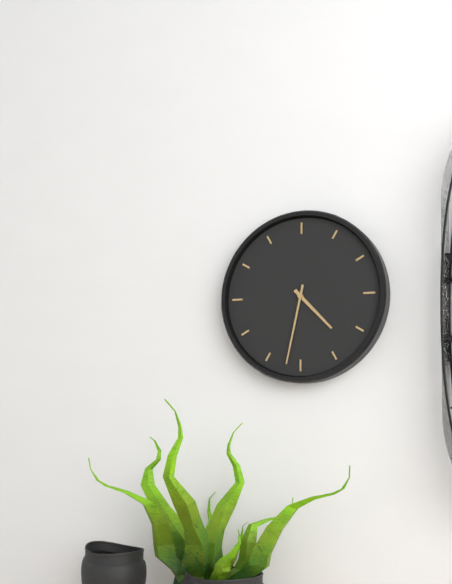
4:32
